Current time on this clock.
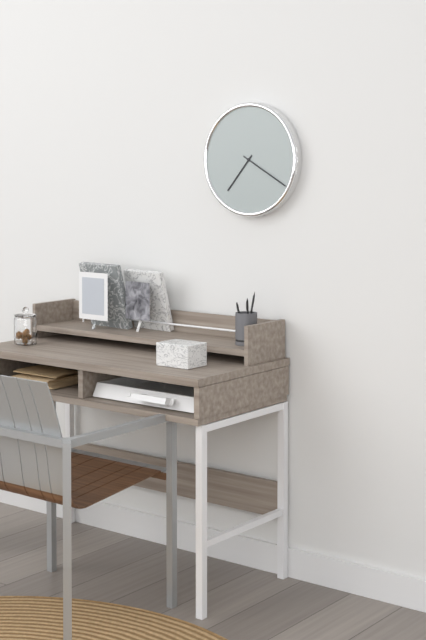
7:20
